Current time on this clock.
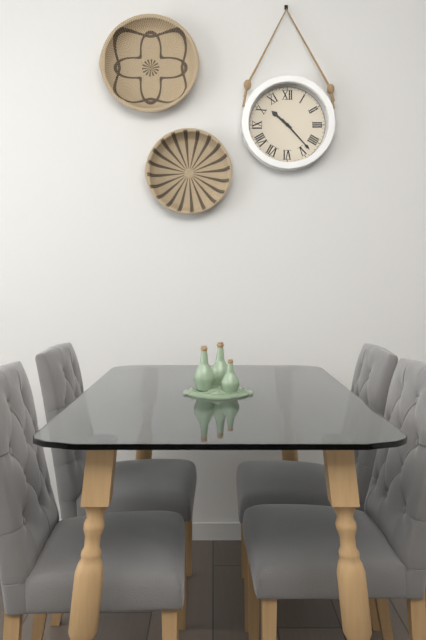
10:23
